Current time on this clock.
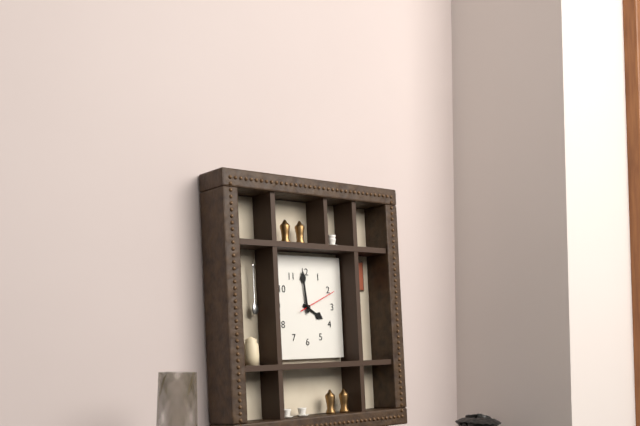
3:59
